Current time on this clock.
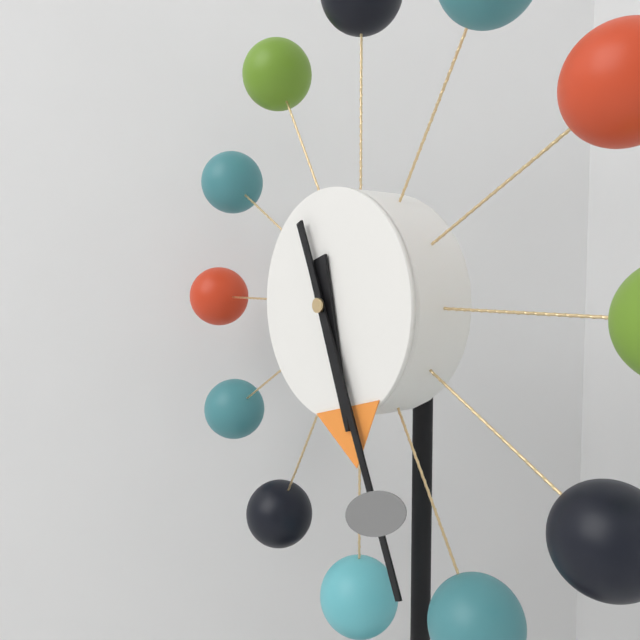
5:26
